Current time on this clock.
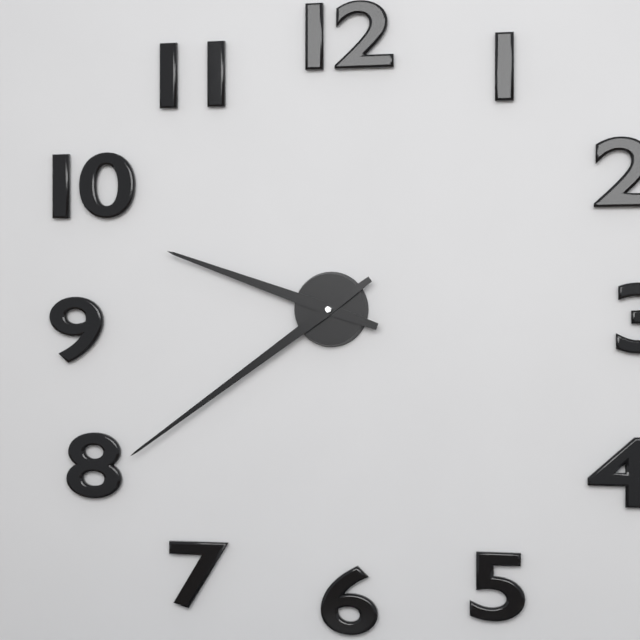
9:39
